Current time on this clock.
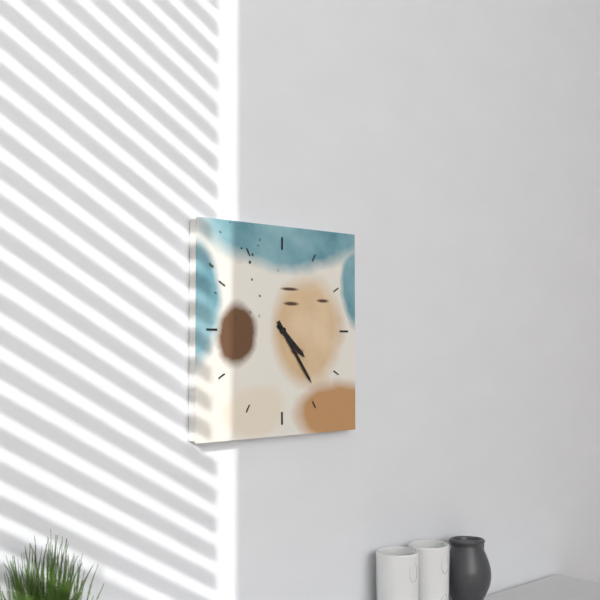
4:24
